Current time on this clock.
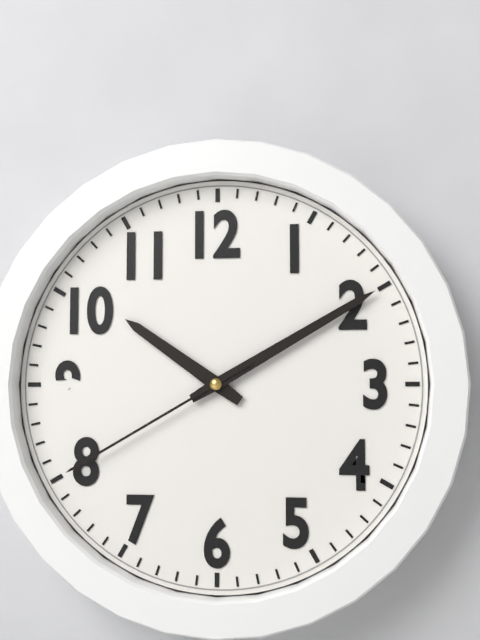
10:10:40
